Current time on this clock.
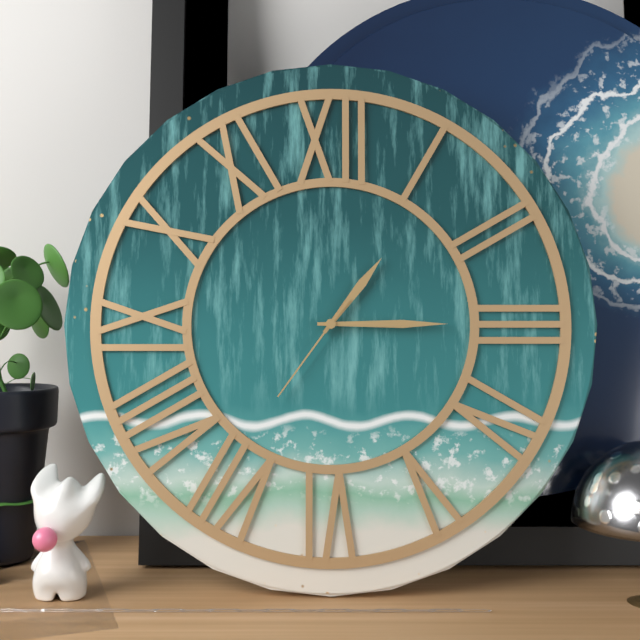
1:15:36
